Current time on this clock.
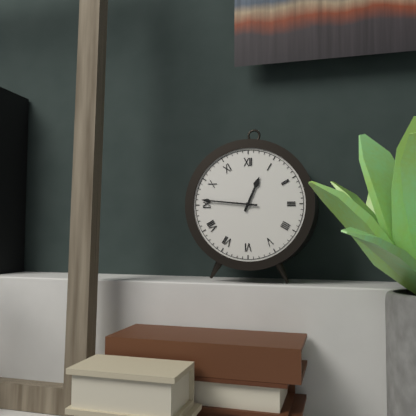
12:46
